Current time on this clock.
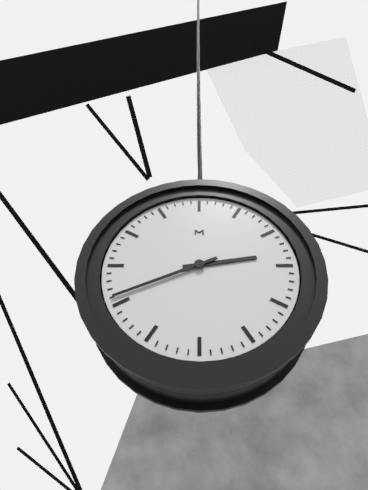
2:41
